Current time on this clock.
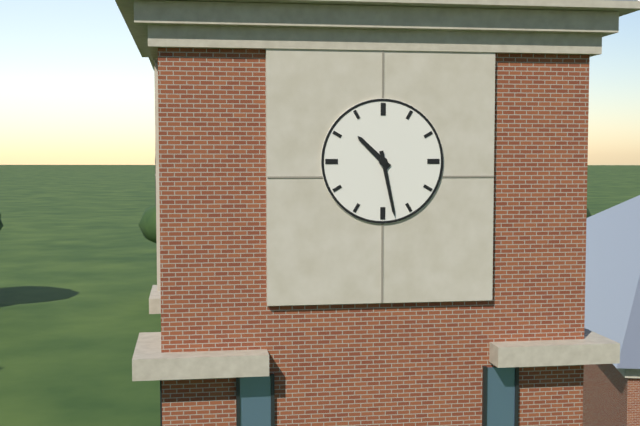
10:28
